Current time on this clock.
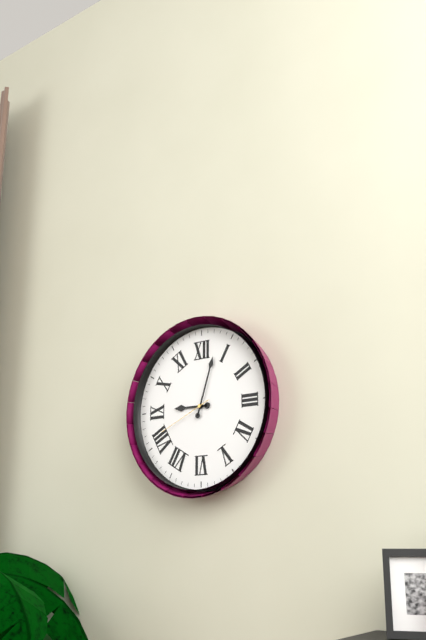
9:03:41
